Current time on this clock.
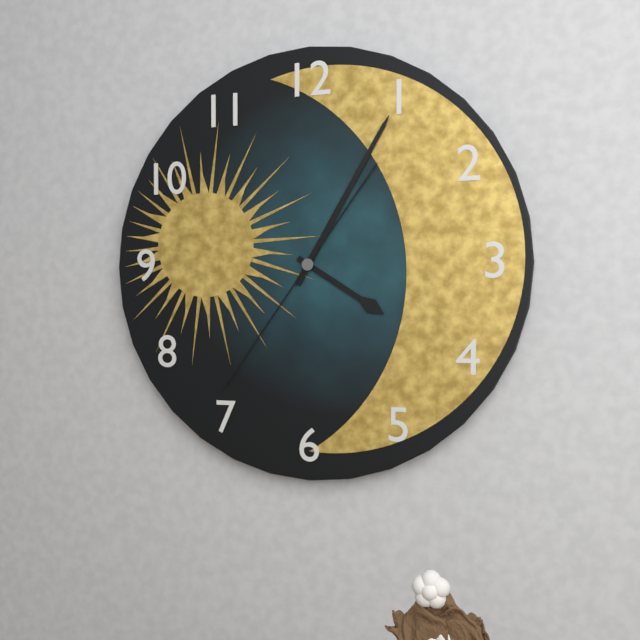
4:05:36
